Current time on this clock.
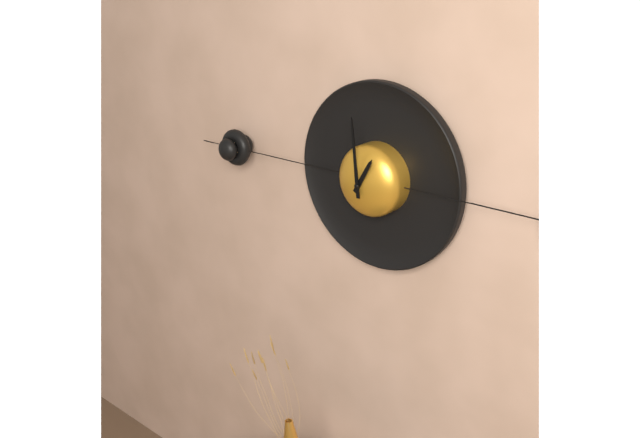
12:59
